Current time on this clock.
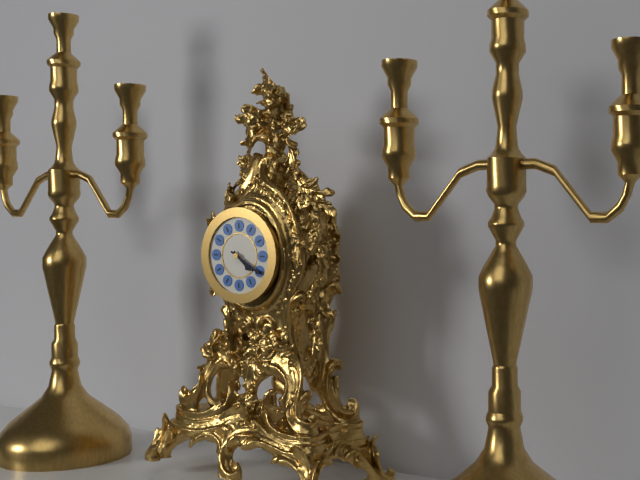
4:20
